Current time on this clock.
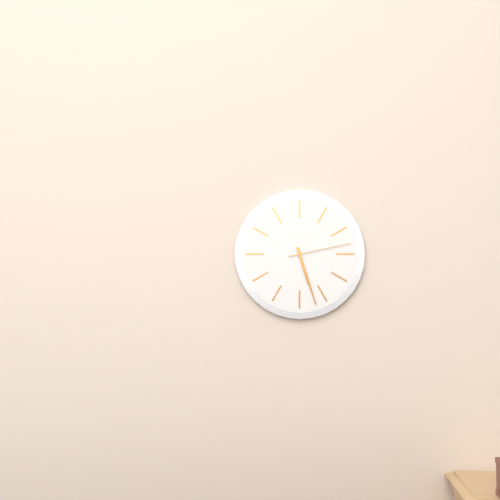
5:27:13
